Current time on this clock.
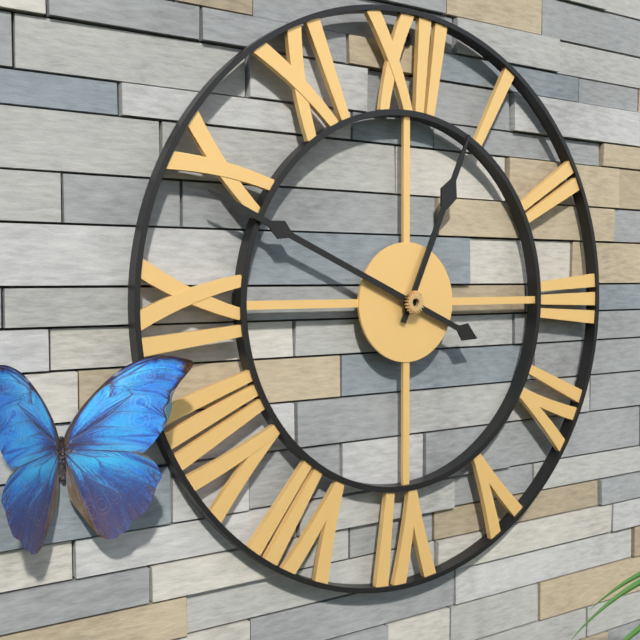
12:49
